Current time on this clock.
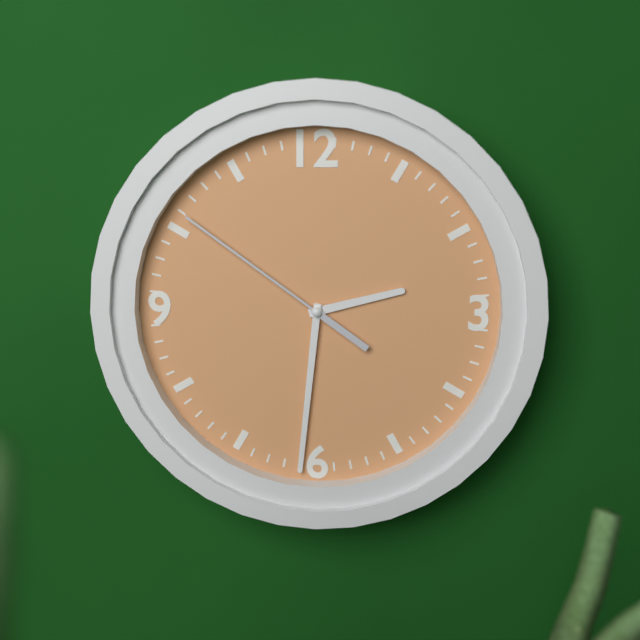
2:31:51
